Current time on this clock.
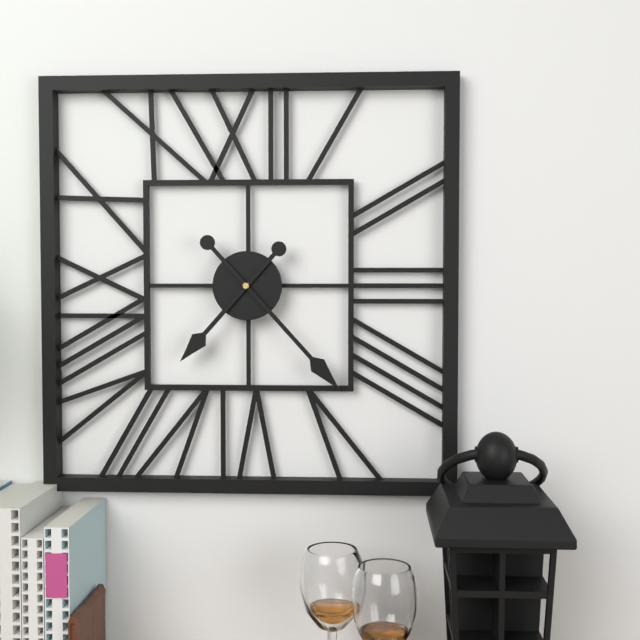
7:23
